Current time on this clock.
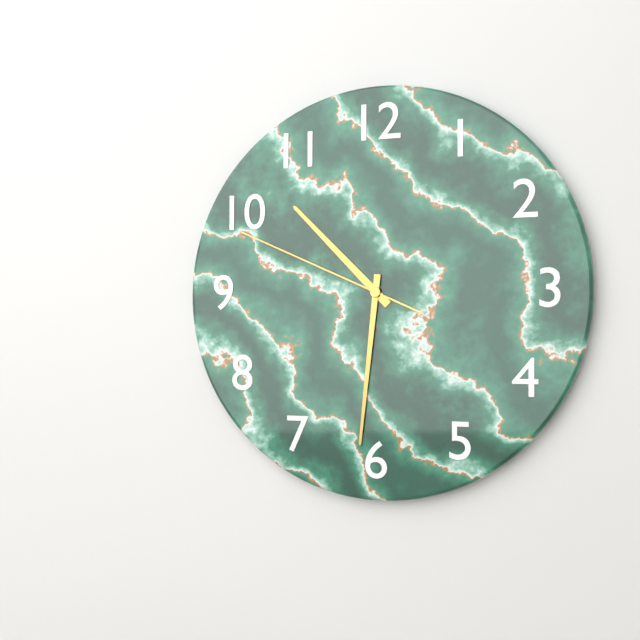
10:31:49
